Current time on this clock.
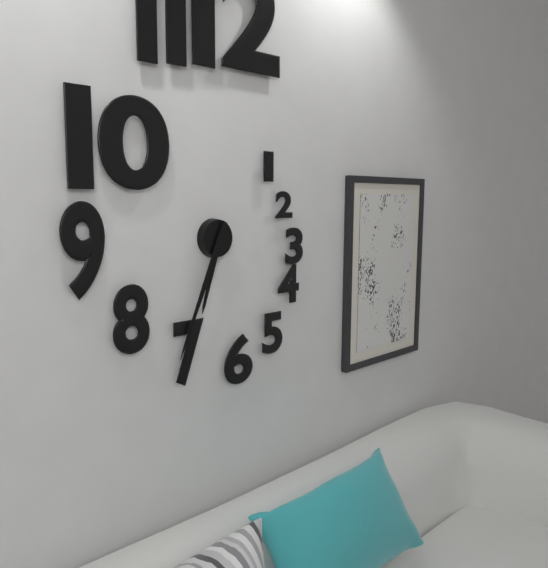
6:34
